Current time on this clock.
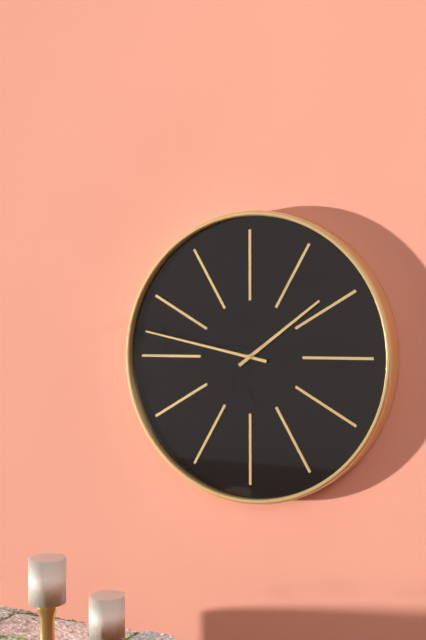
1:47
